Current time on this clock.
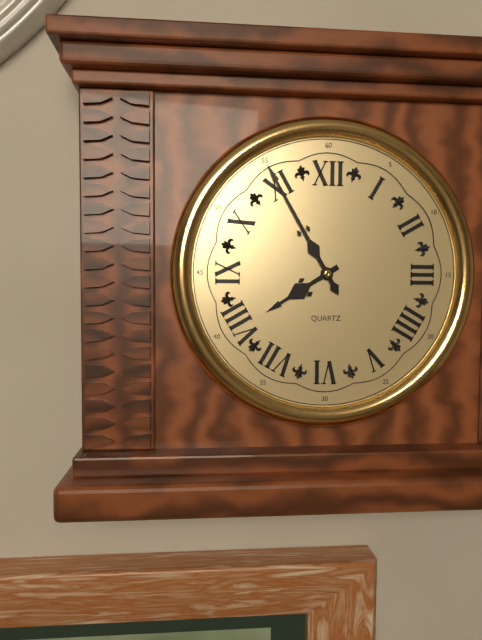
7:55
